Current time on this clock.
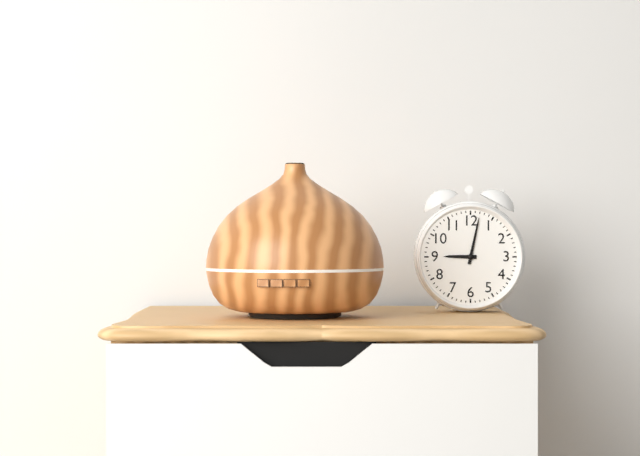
9:02
